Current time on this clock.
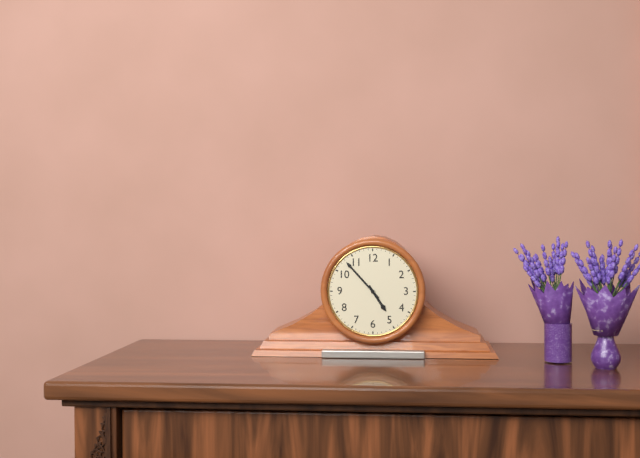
4:53
